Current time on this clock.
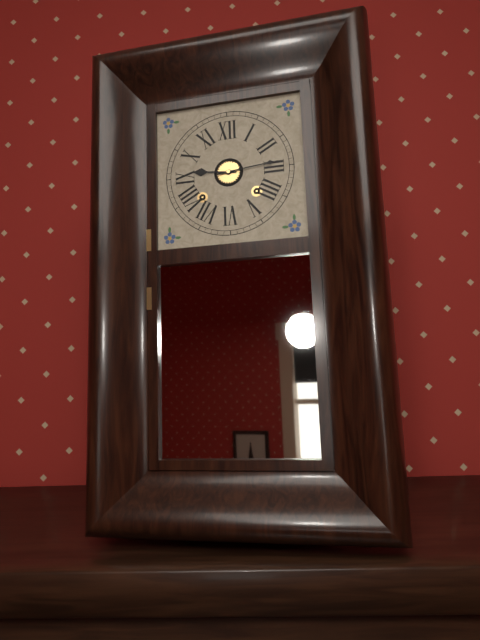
9:14
